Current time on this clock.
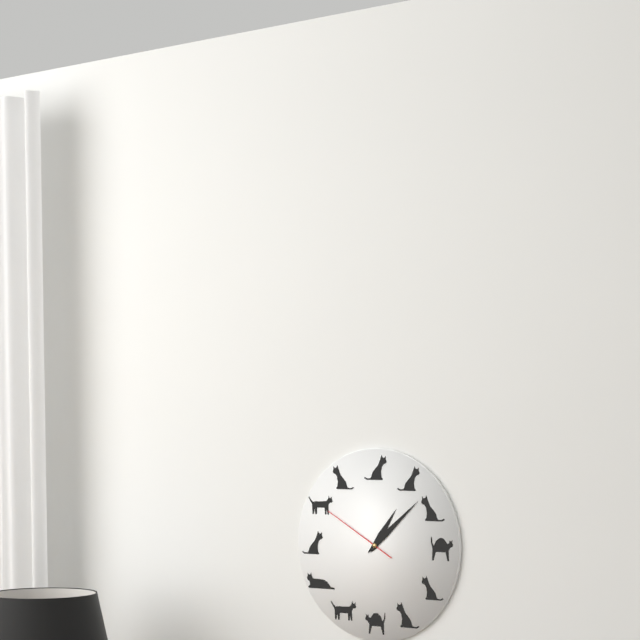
1:08:50
